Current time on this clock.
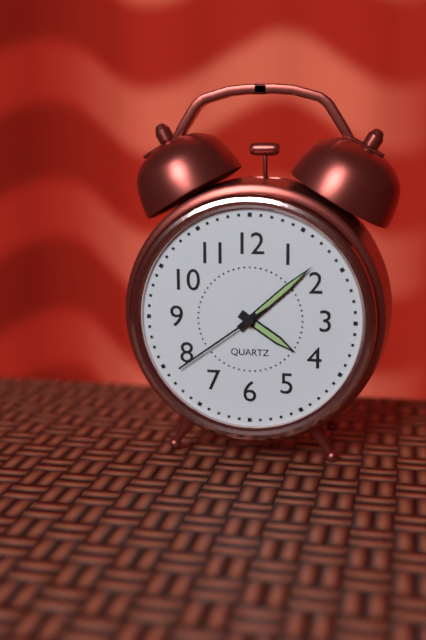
4:08:39
